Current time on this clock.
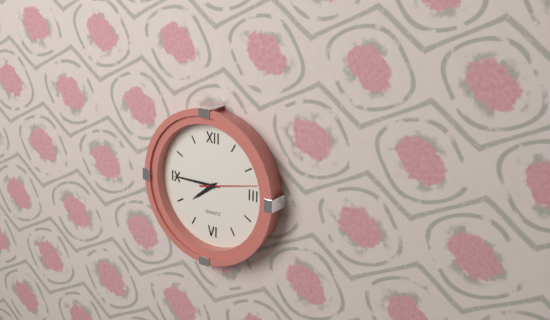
7:45:13
